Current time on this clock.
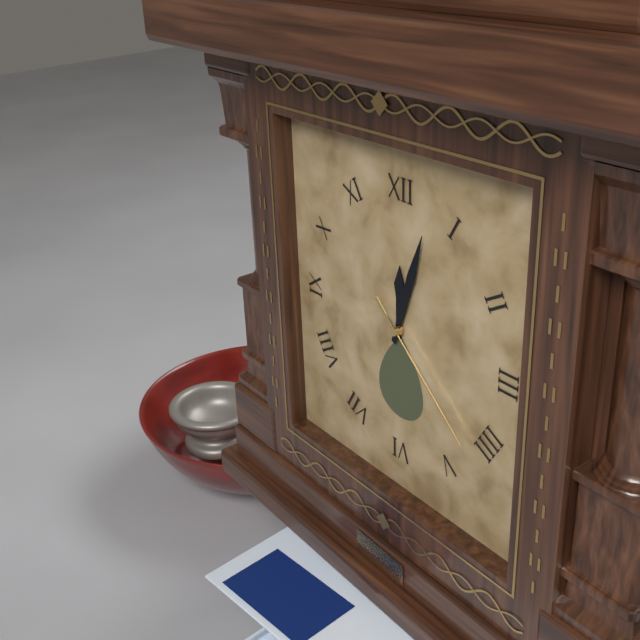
12:03:22
